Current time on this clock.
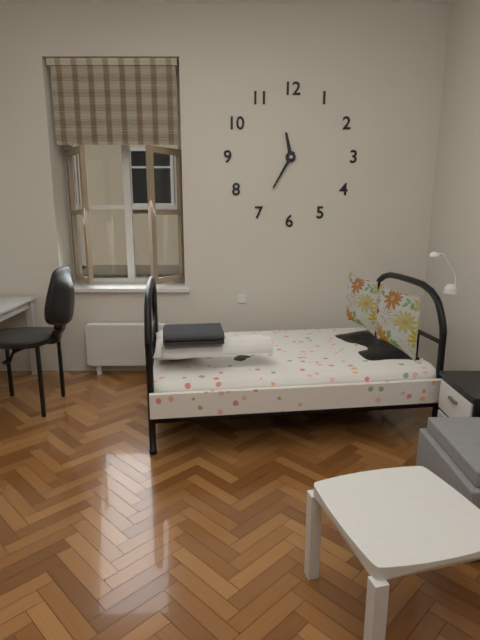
11:35
